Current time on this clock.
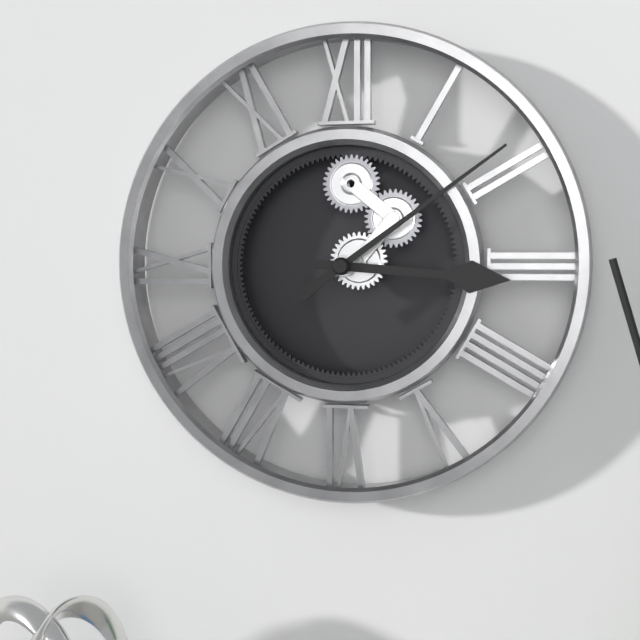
3:09
